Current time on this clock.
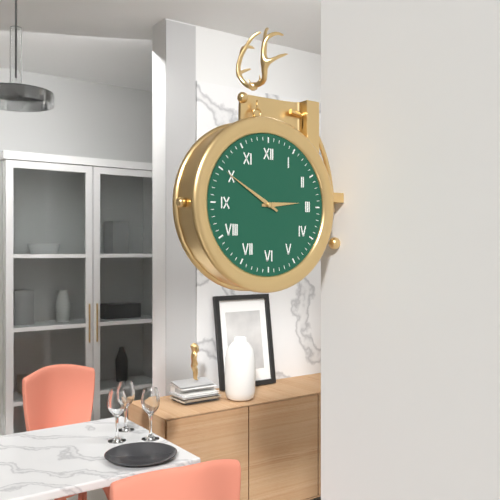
2:50
